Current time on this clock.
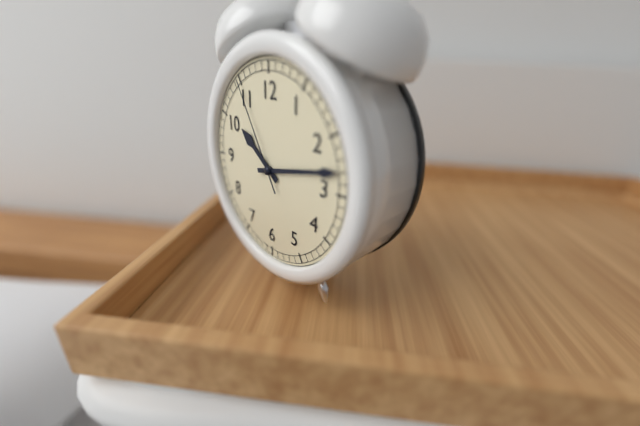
10:13:55
